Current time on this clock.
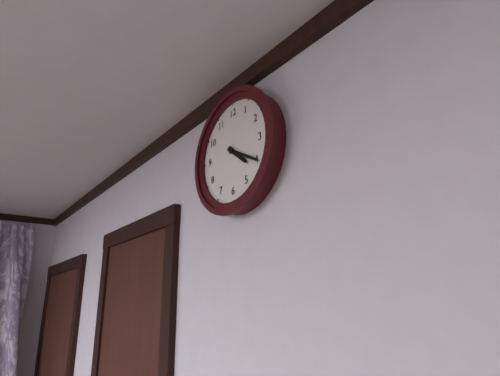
4:20
